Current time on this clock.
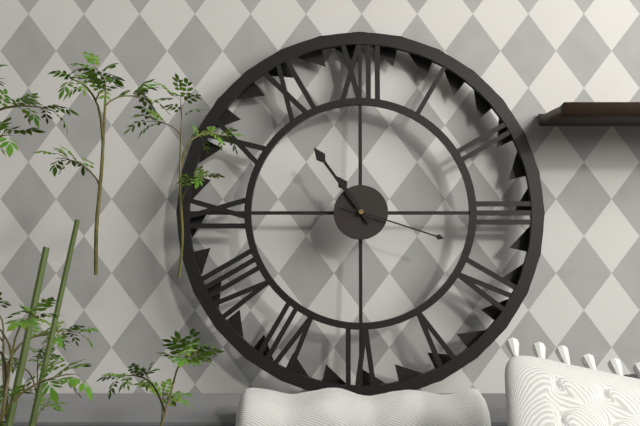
10:54:18
